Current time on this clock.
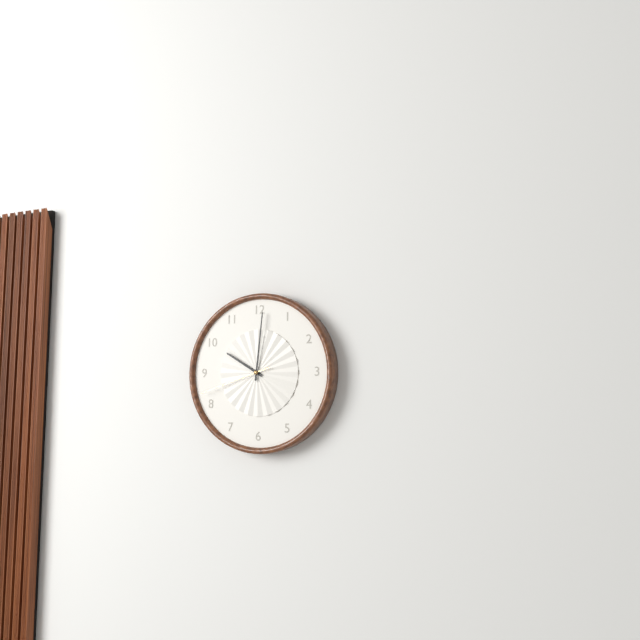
10:01:42
